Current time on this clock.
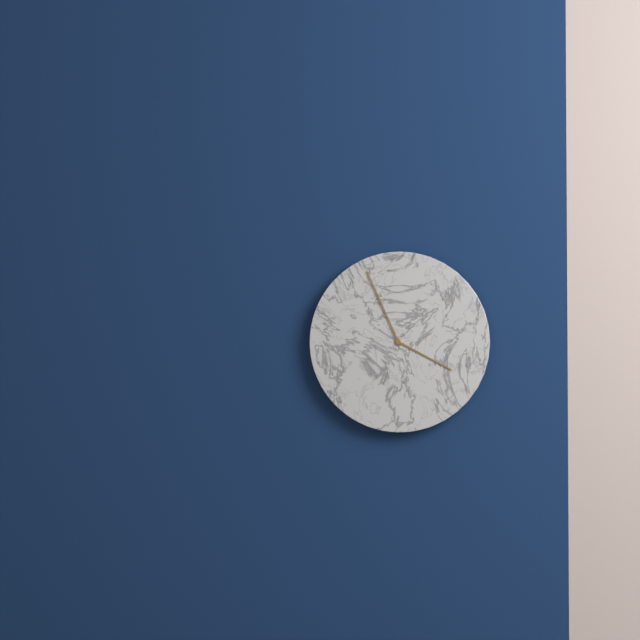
3:56
